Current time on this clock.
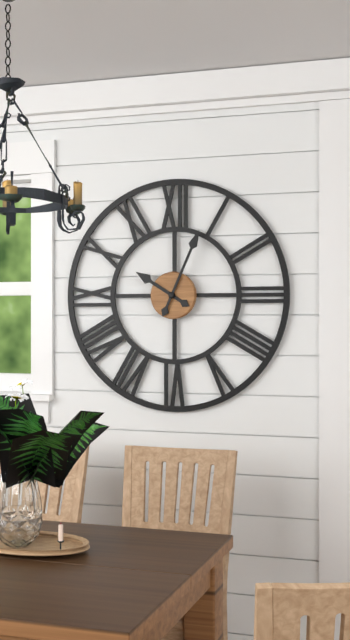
10:04
